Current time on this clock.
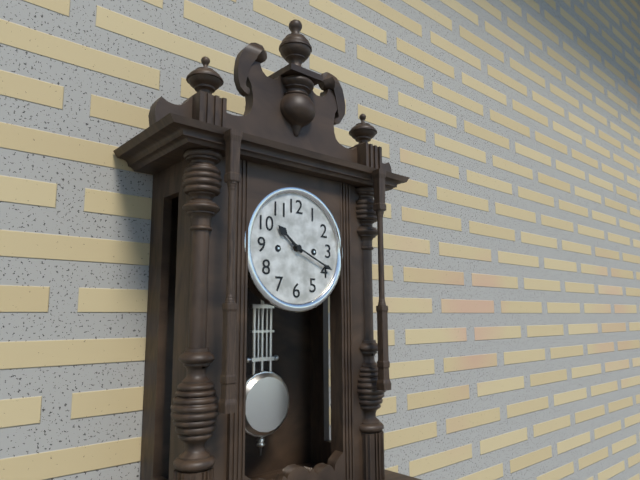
10:19
